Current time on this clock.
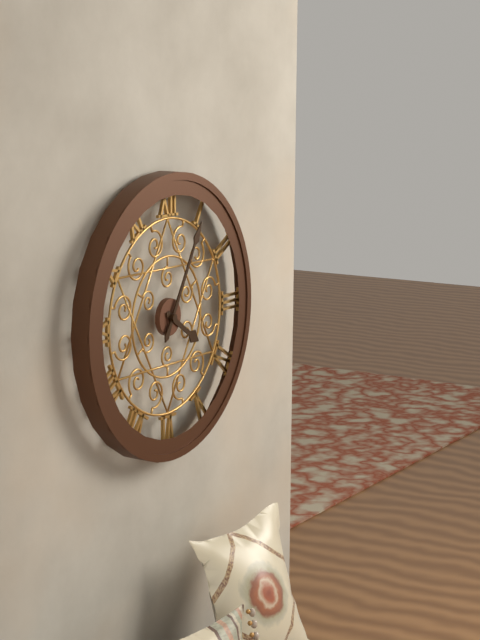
4:05
